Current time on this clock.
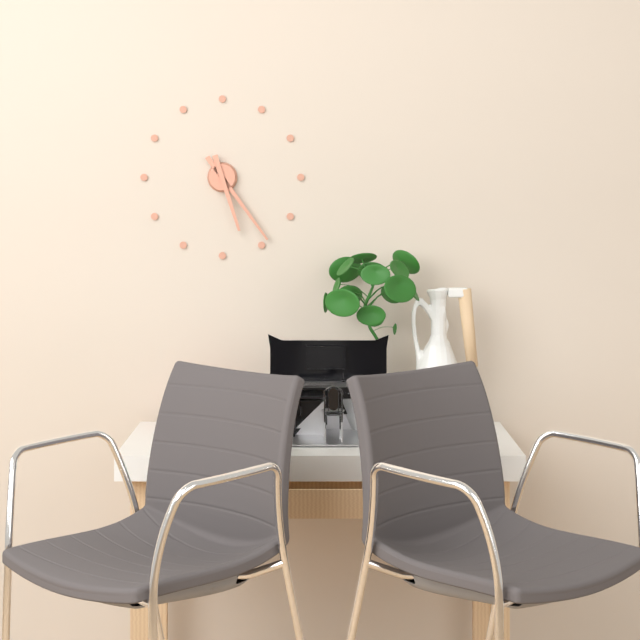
5:24
